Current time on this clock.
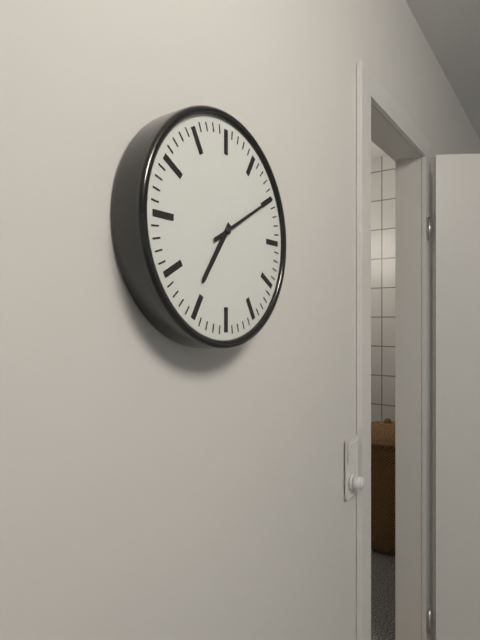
7:10
